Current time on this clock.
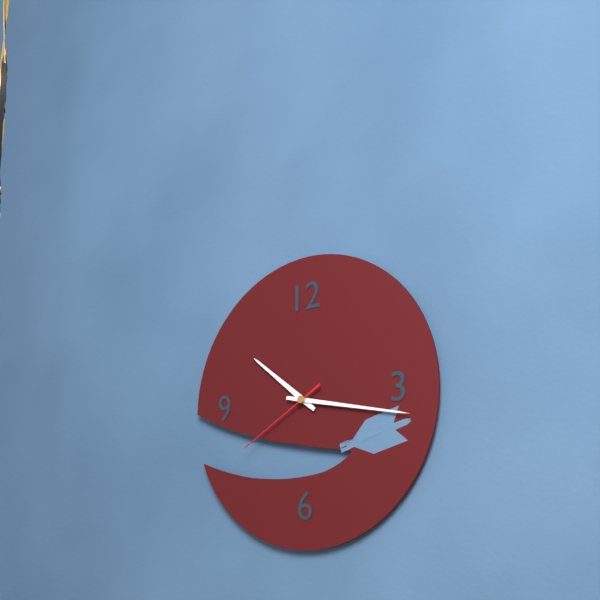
10:17:40
